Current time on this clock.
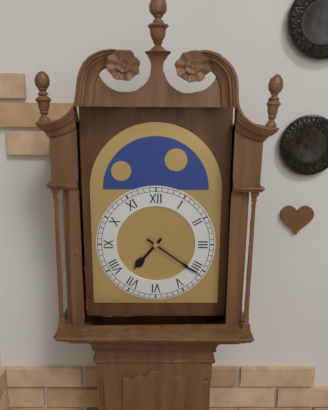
7:21
